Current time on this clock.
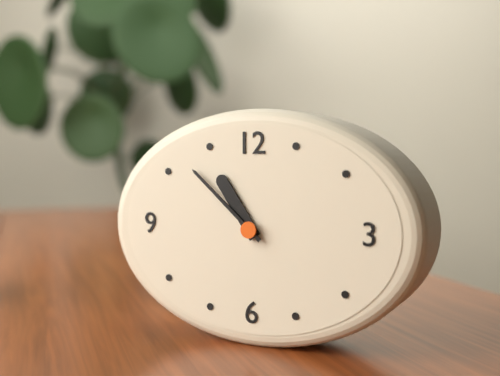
10:52
